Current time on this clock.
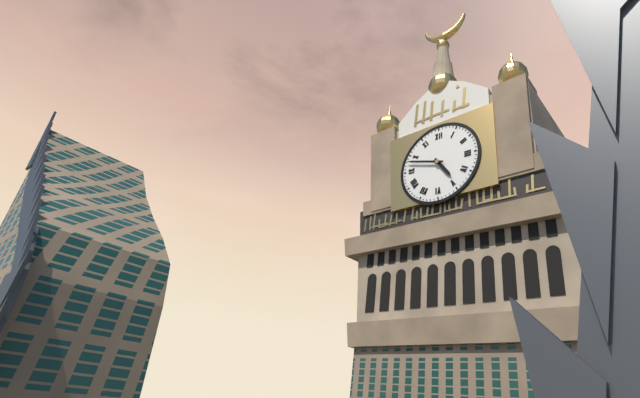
4:48
